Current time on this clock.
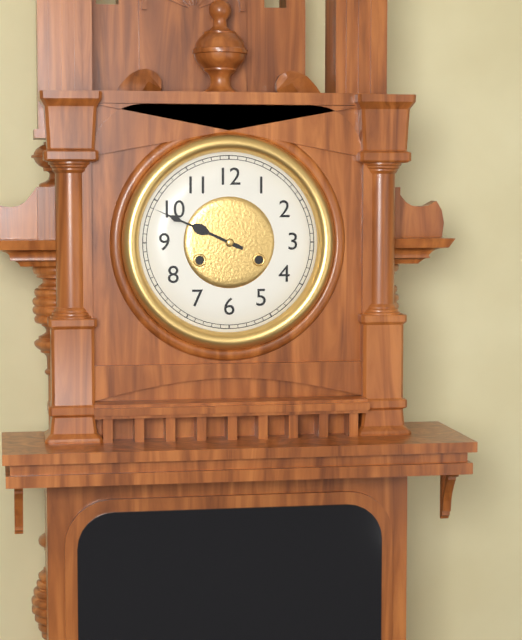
9:49
